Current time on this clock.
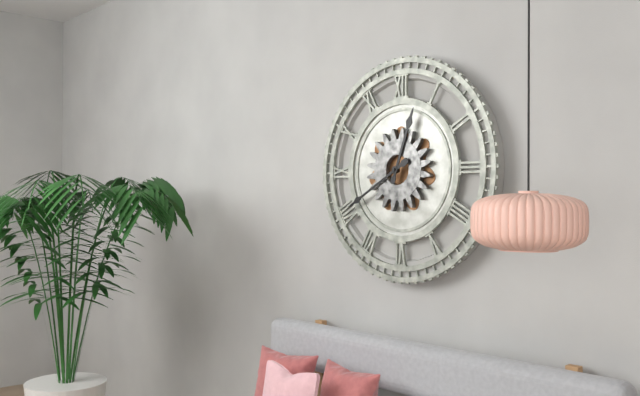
12:40
